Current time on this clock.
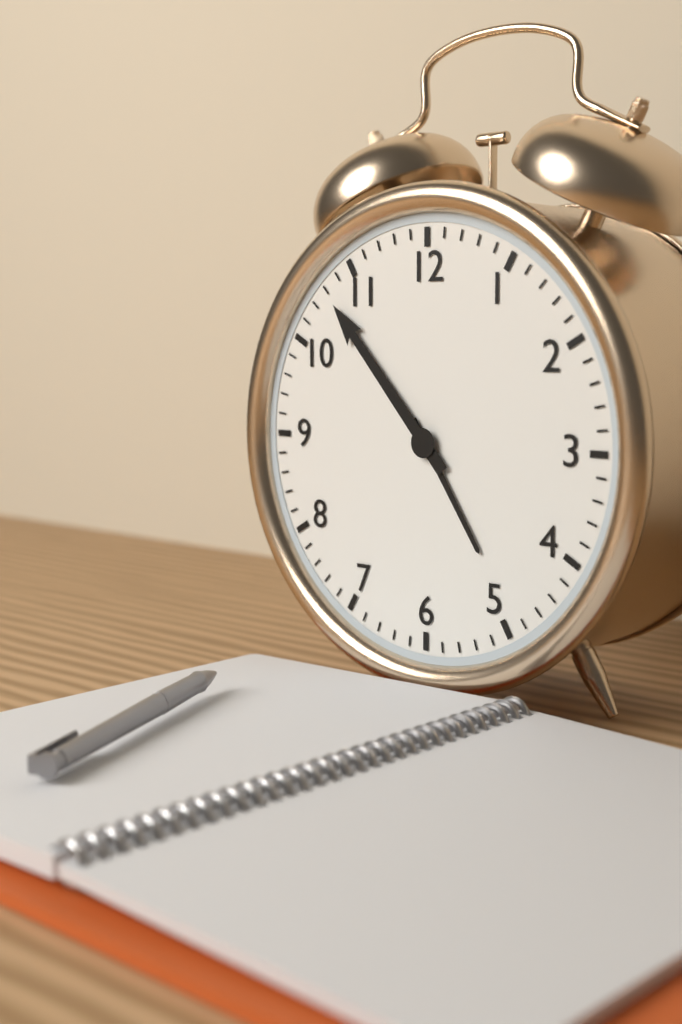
4:53
